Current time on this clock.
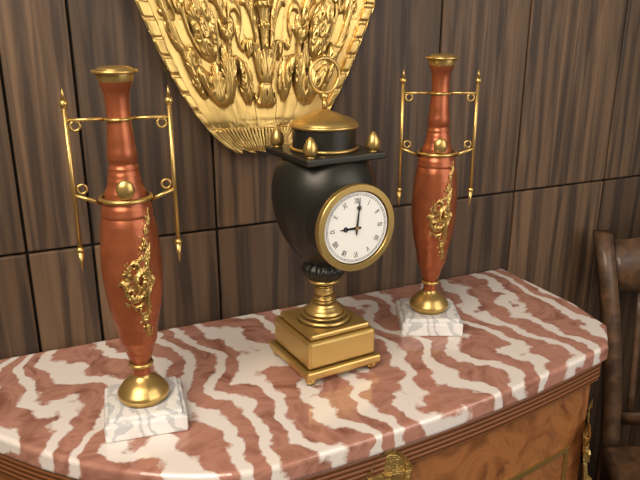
9:01
